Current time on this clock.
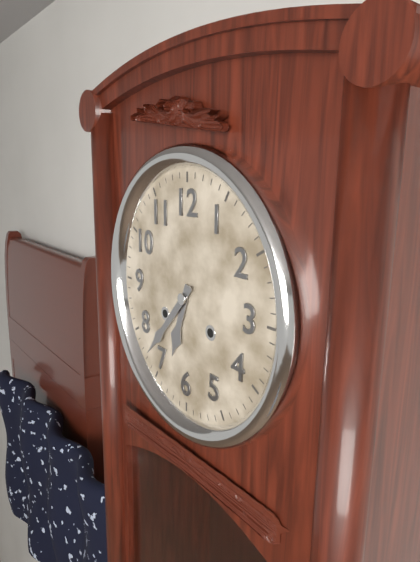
6:37
